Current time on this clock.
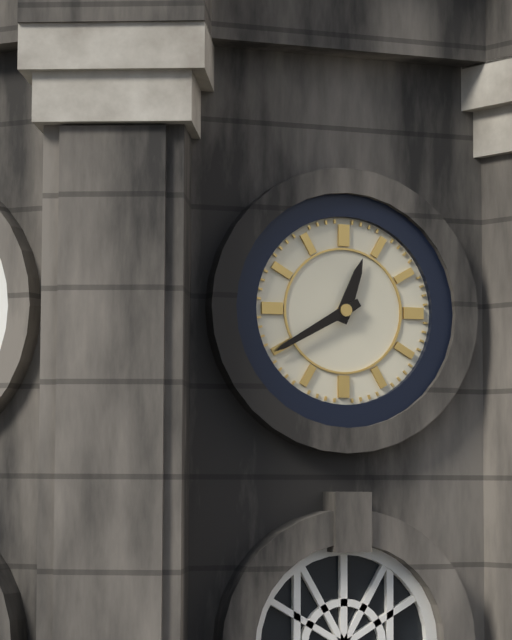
12:40
